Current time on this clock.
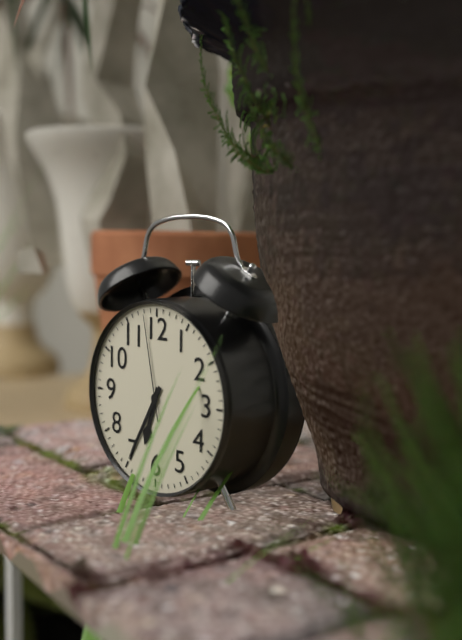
6:35:58
